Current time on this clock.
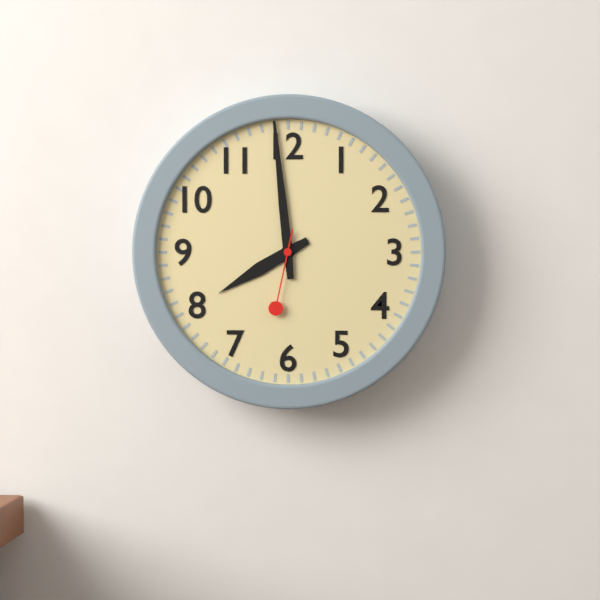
7:59:32
